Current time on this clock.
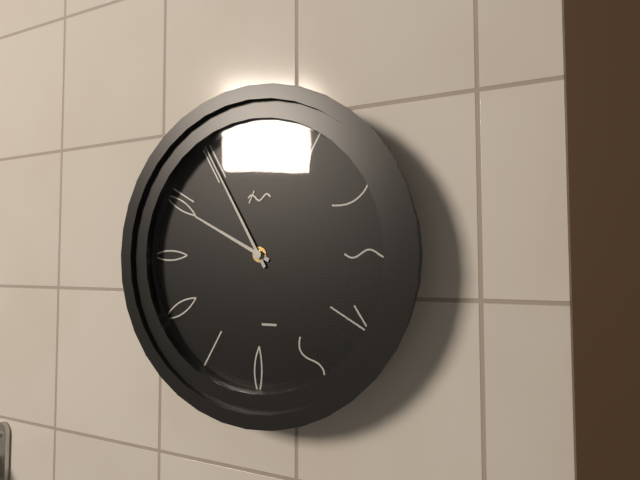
9:55
